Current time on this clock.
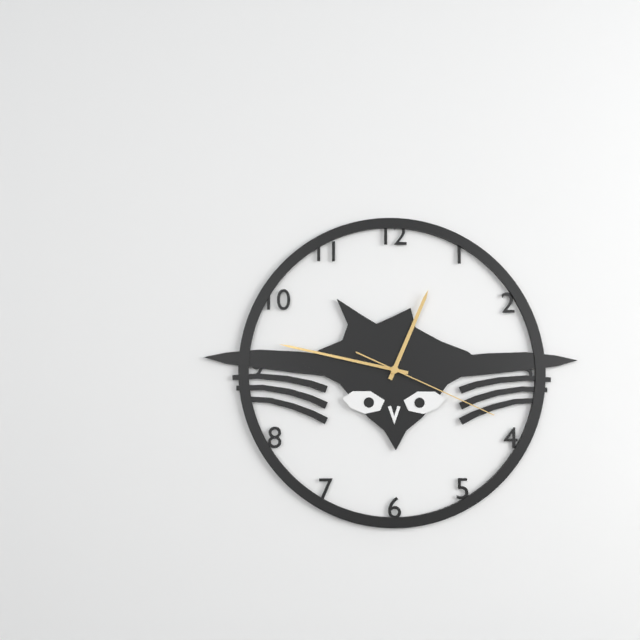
12:47:19
